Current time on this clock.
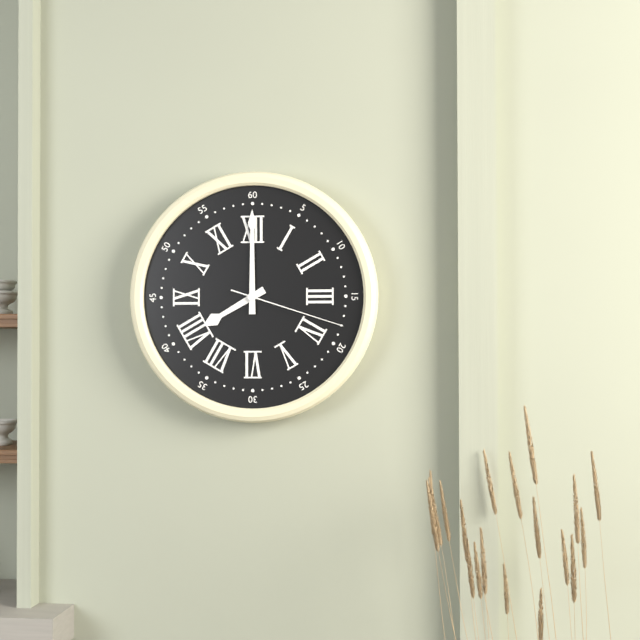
8:00:18
